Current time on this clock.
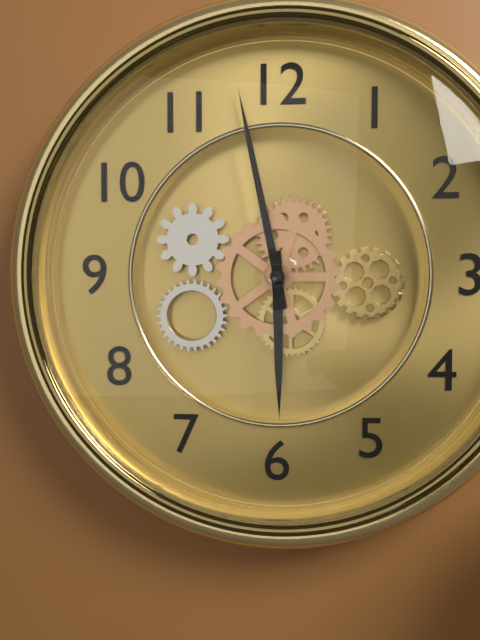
5:58
